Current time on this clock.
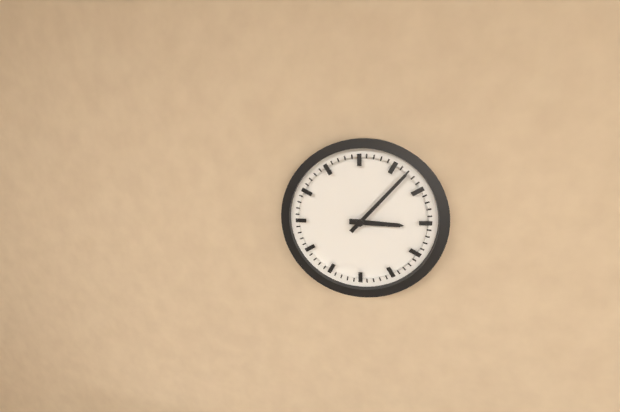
3:07
